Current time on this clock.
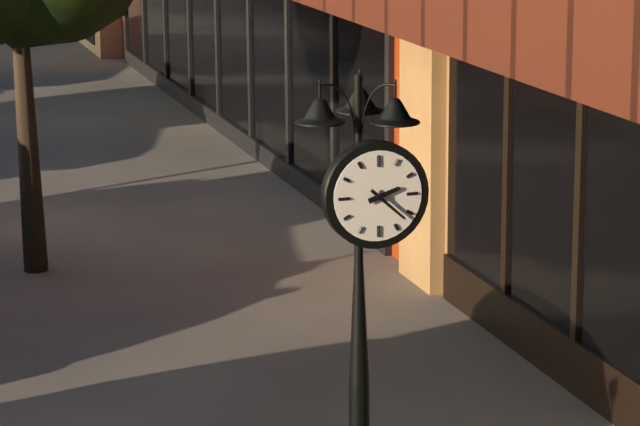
2:22
